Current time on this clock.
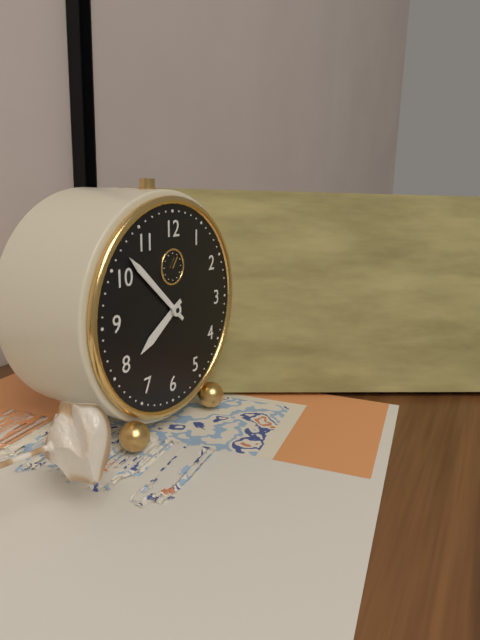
7:52
